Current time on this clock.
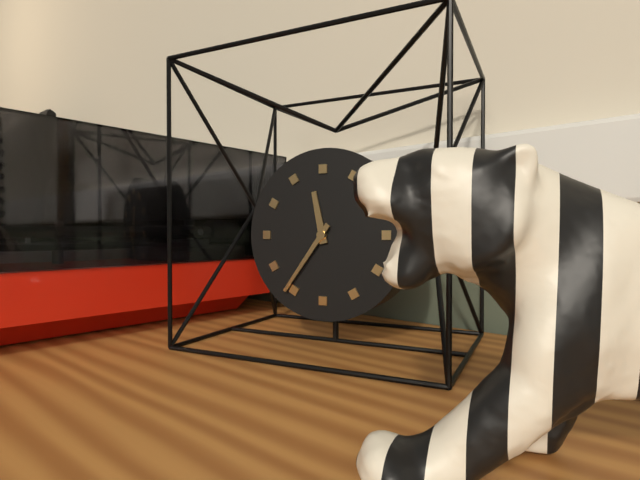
11:36
